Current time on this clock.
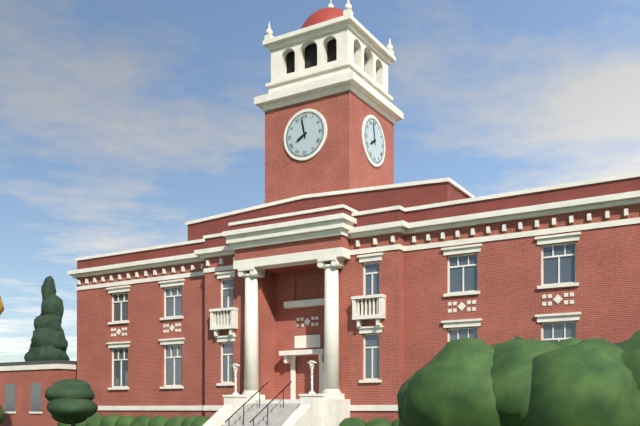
7:58
